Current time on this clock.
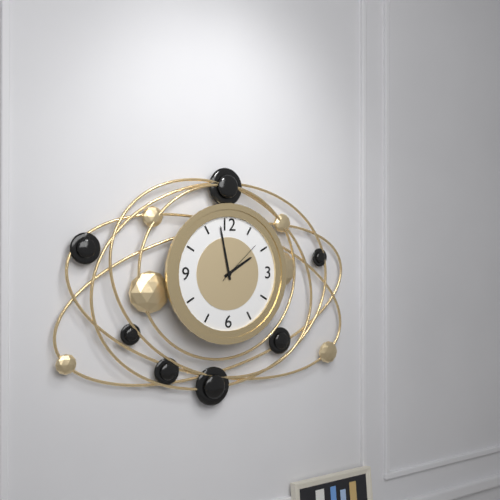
1:58
